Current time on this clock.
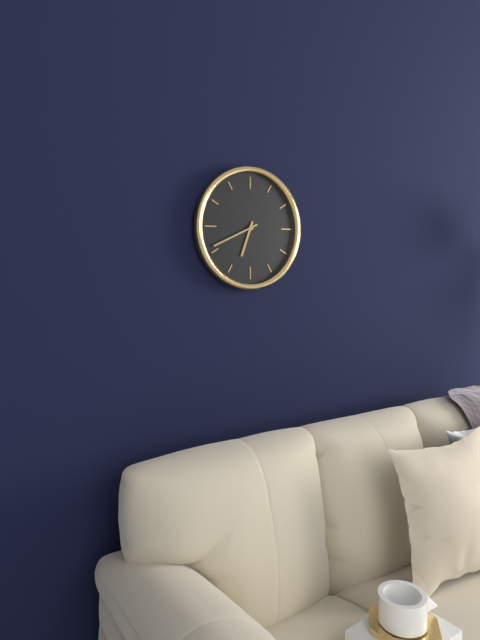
6:41
